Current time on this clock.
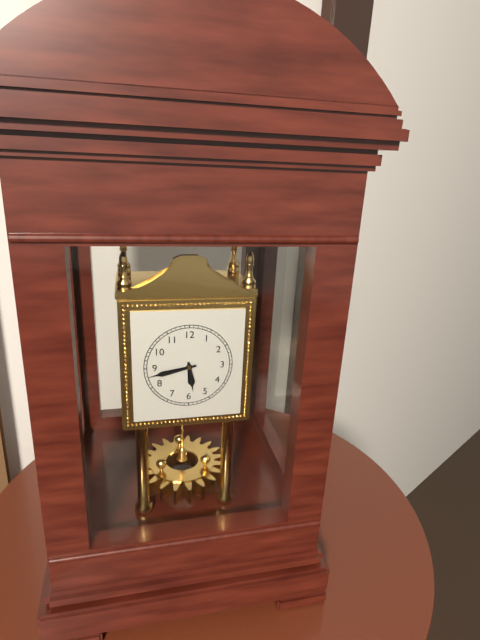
5:43
